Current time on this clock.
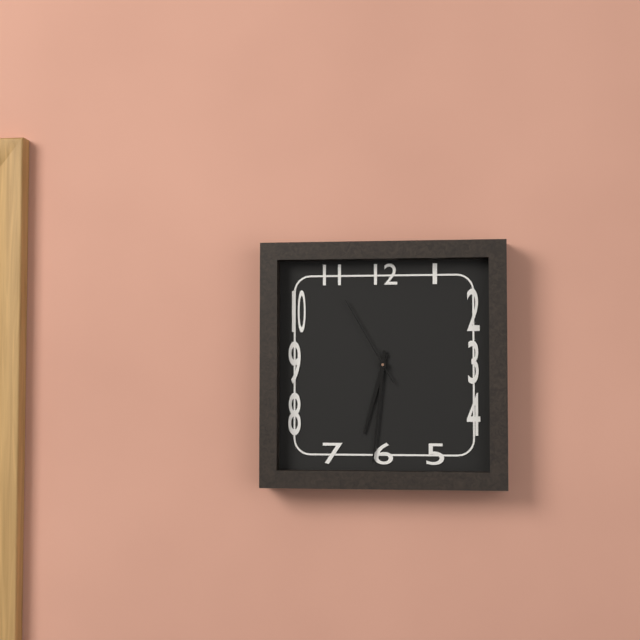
6:31:55
